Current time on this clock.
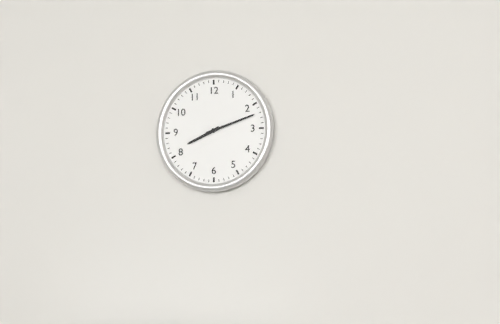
8:12
